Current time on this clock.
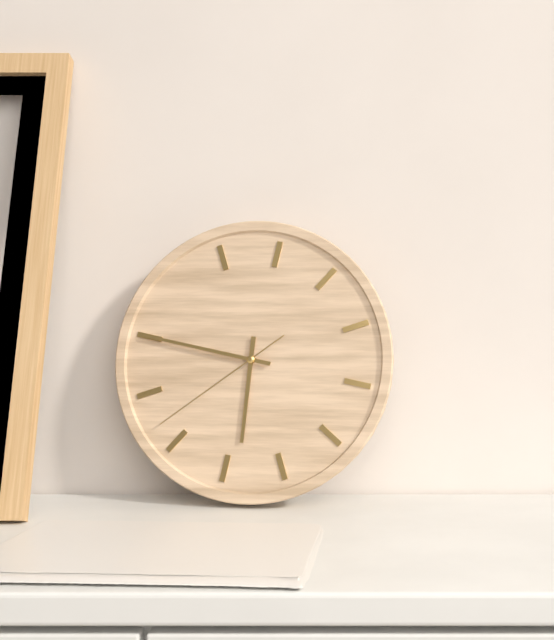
5:45:37
